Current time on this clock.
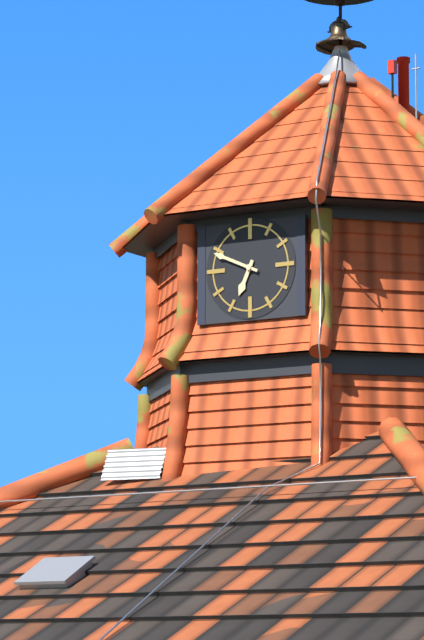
6:49
